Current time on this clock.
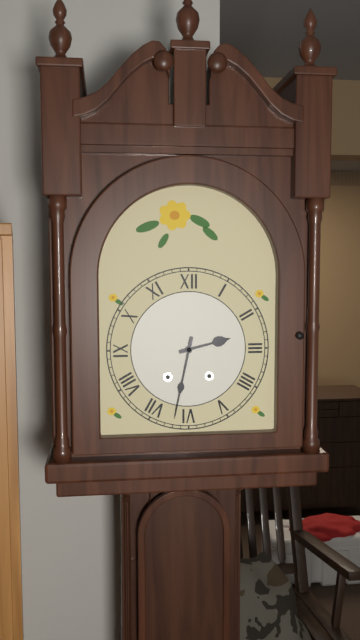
2:32
